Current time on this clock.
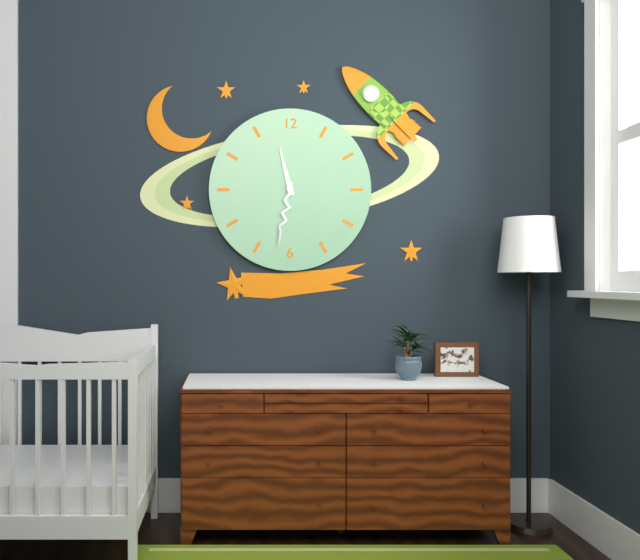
11:32
